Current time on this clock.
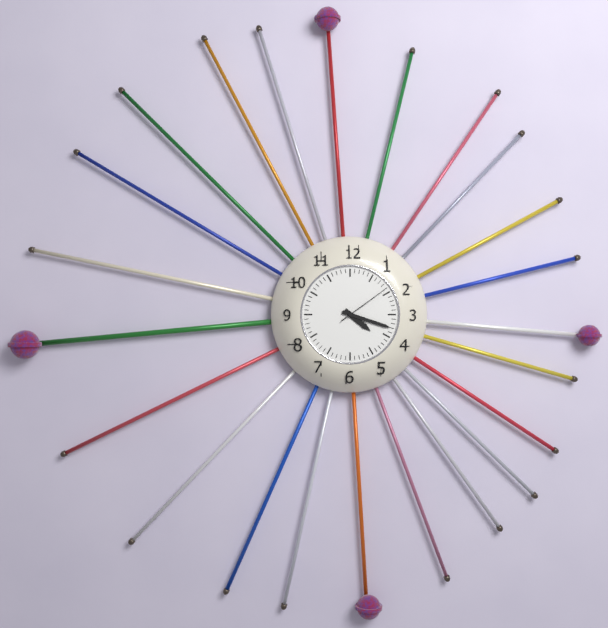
4:18:09
